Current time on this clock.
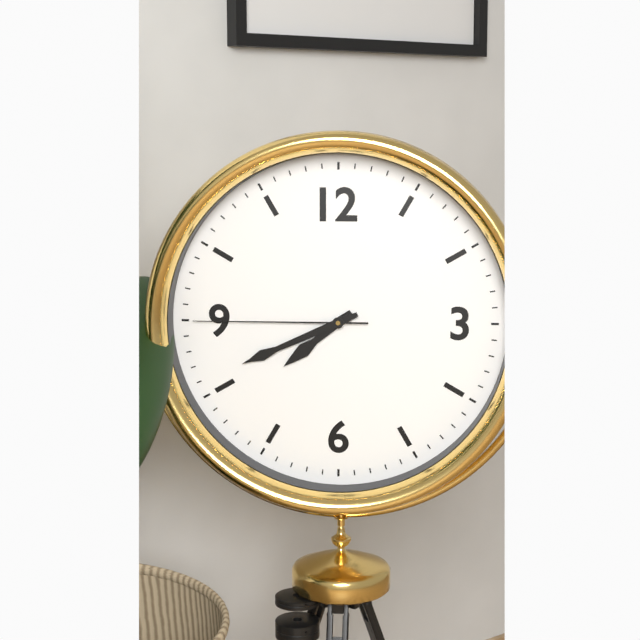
7:41:45
